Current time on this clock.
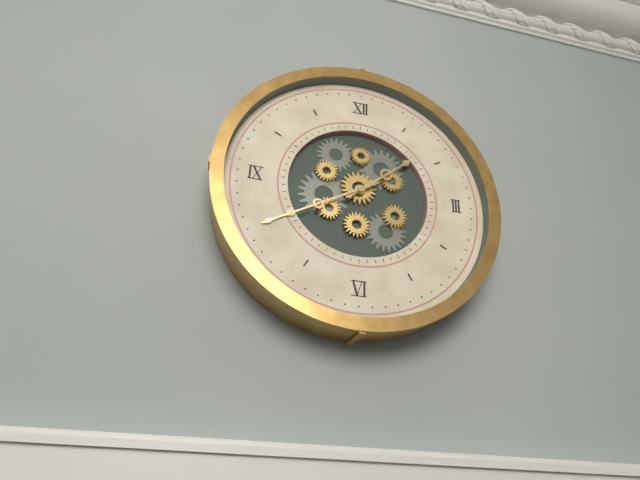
1:40
